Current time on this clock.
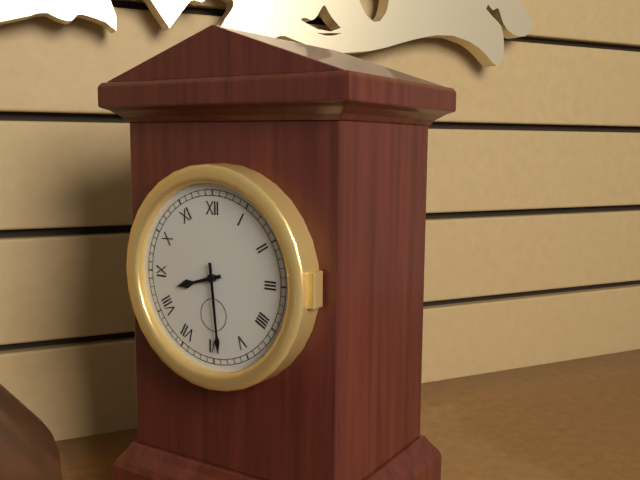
8:29
